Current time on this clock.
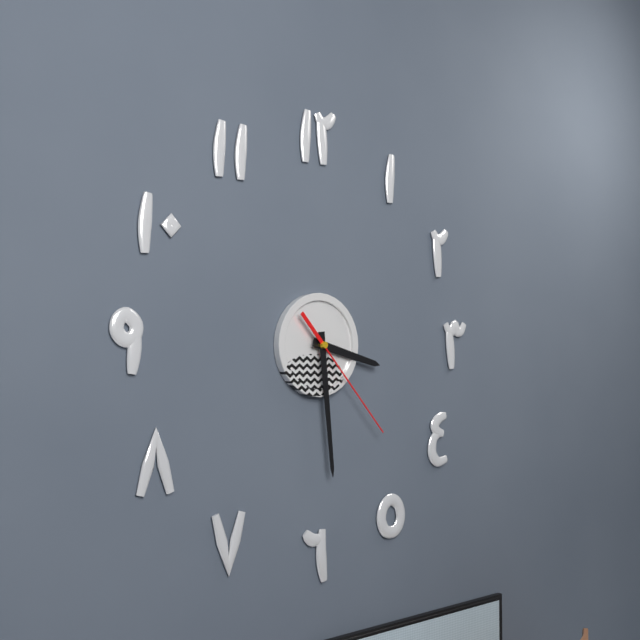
3:29:23
